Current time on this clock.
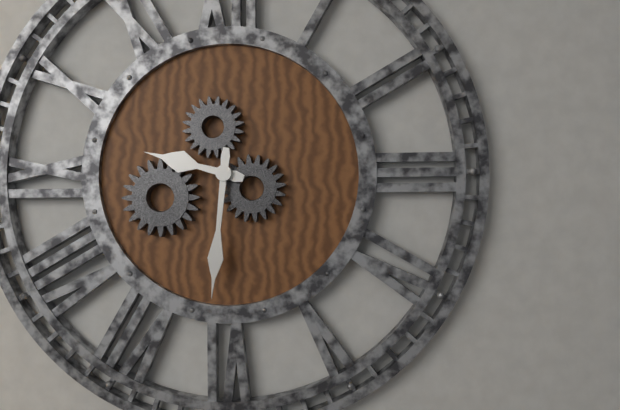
9:31
